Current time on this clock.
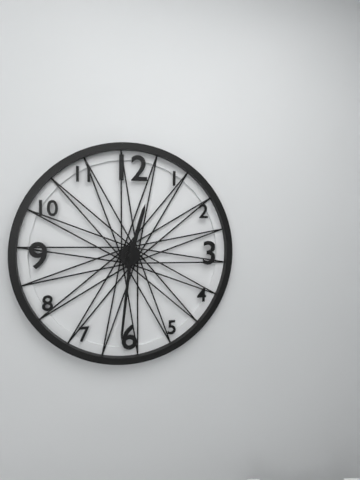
12:31
